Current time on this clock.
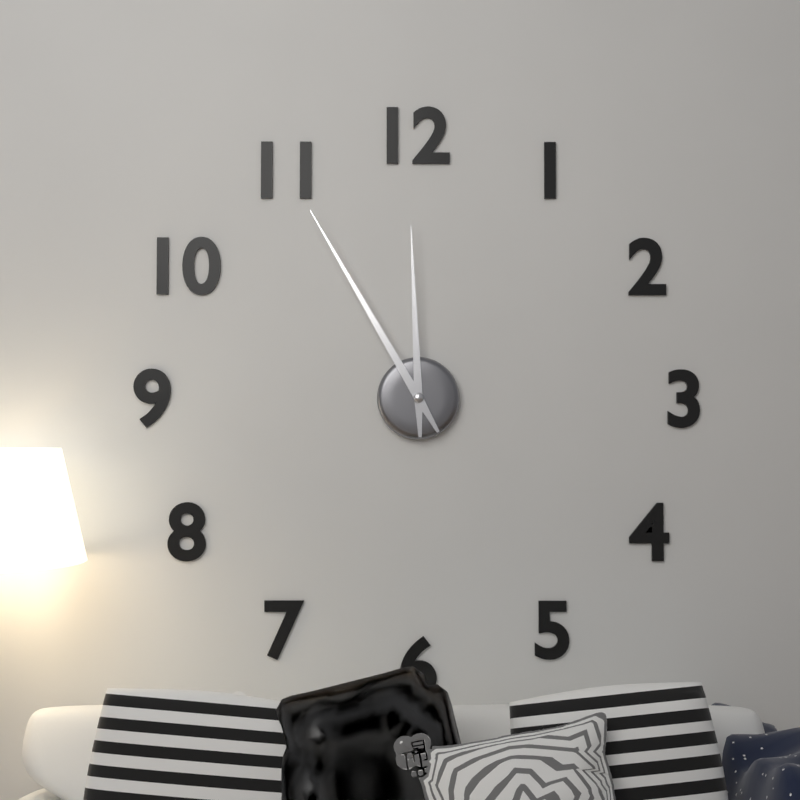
11:55
